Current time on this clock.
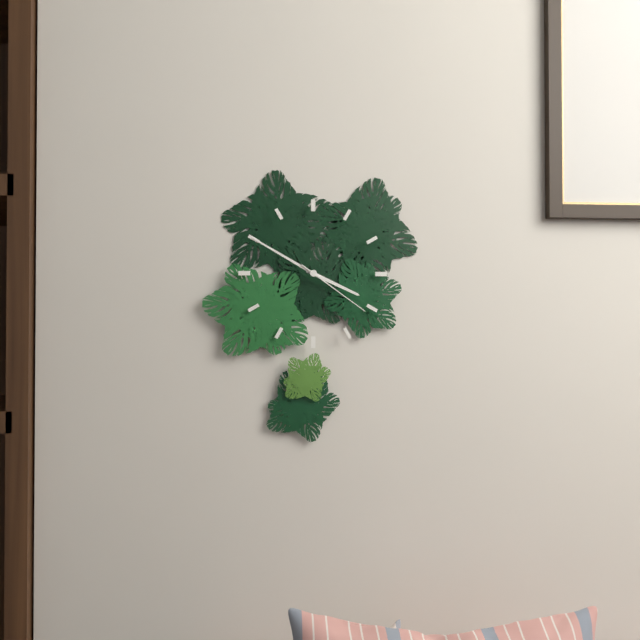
3:50:21
